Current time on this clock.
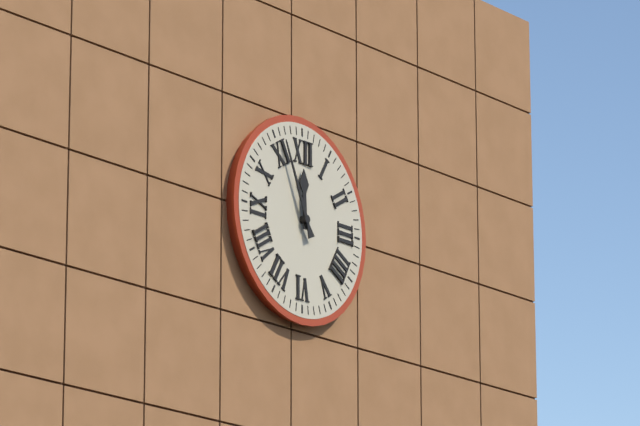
11:56
